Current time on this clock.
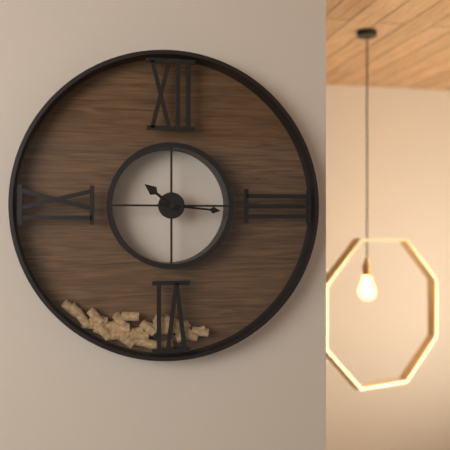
10:16
